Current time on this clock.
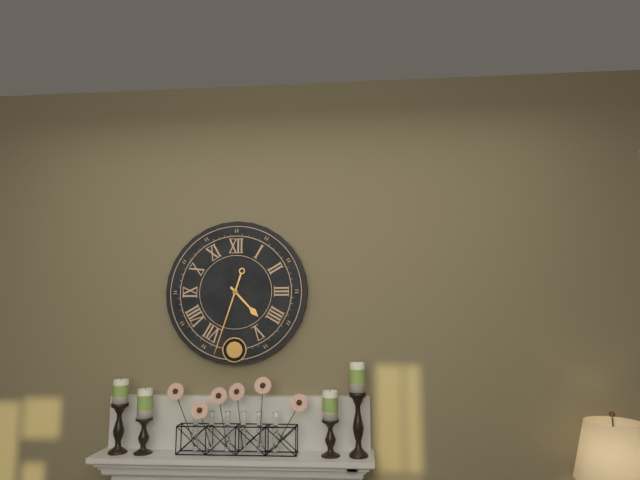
4:33
